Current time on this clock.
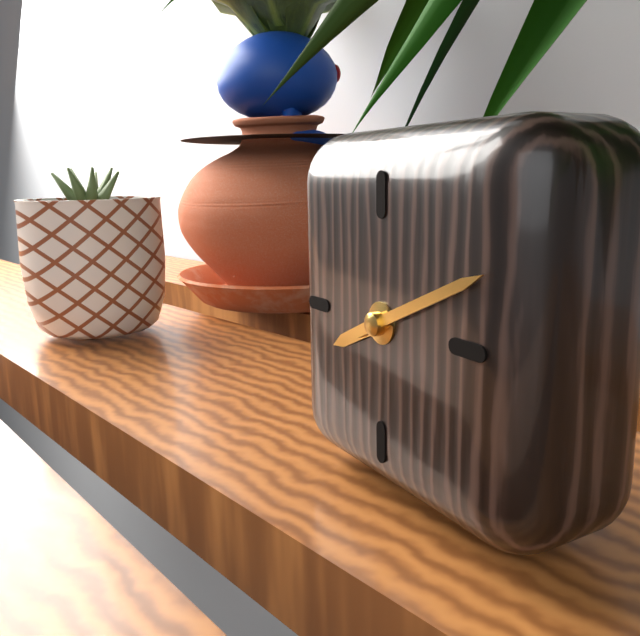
8:11
